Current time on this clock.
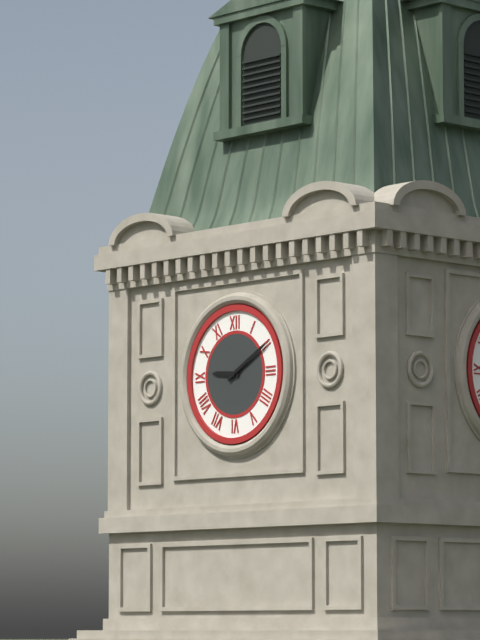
9:10
